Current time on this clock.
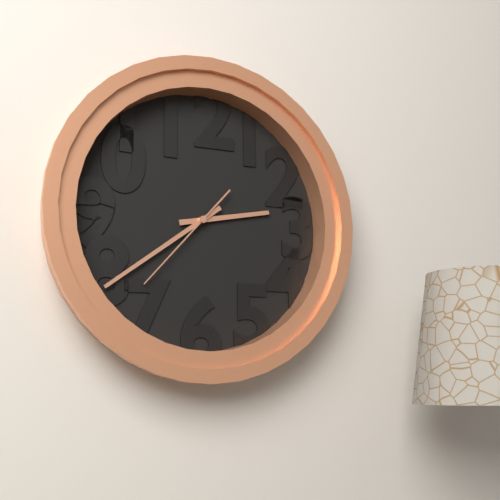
2:39:37
